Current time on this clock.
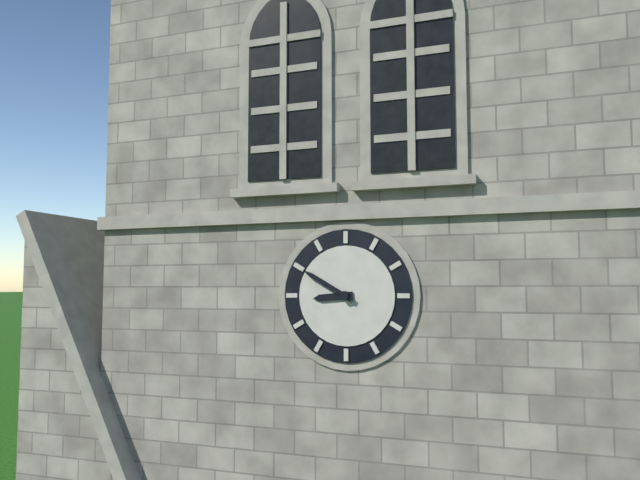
8:50
